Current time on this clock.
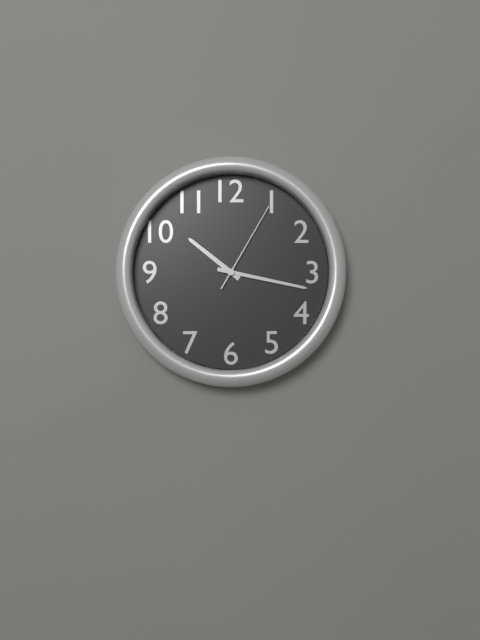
10:17:05
